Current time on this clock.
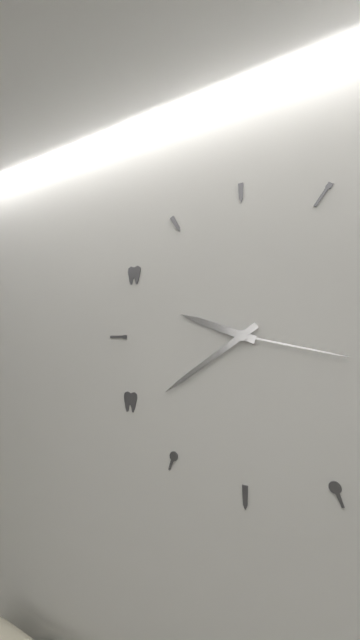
9:39:17
